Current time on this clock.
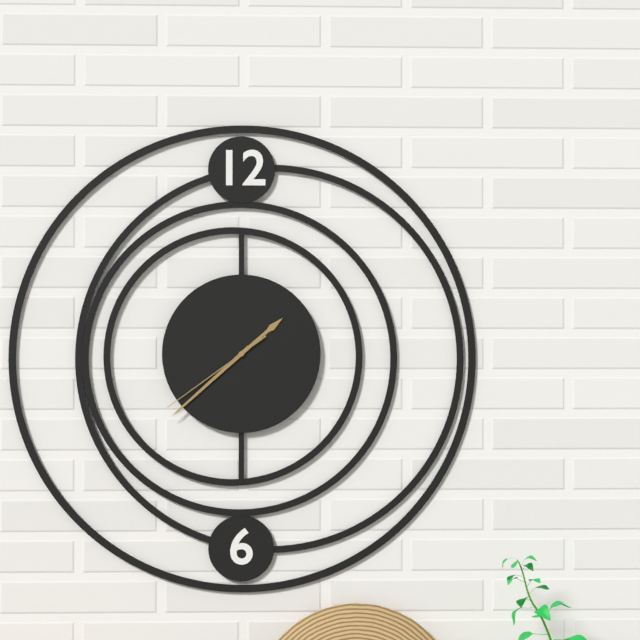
1:38:39
